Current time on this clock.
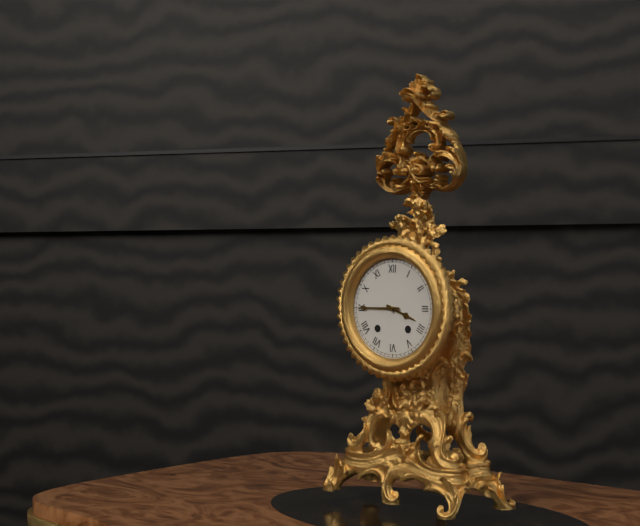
3:45
